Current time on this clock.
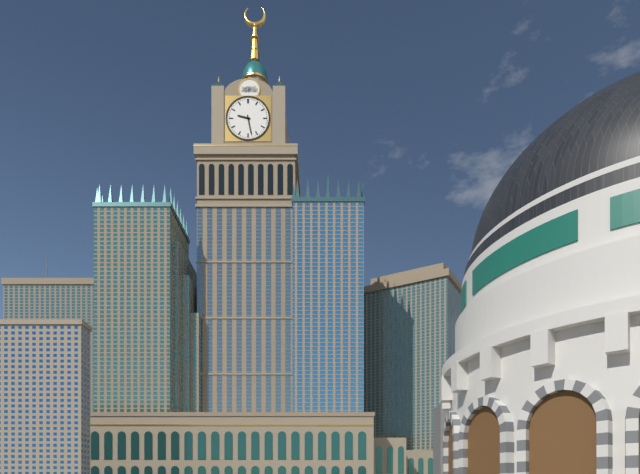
9:28
